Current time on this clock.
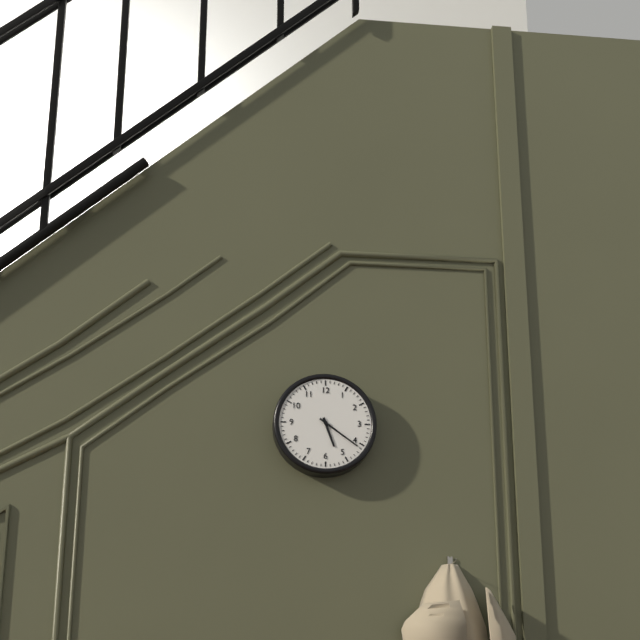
5:21
